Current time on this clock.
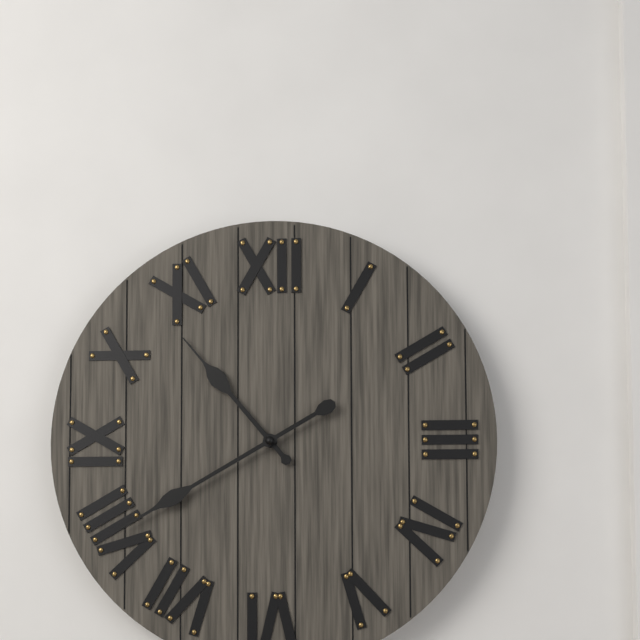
10:40
